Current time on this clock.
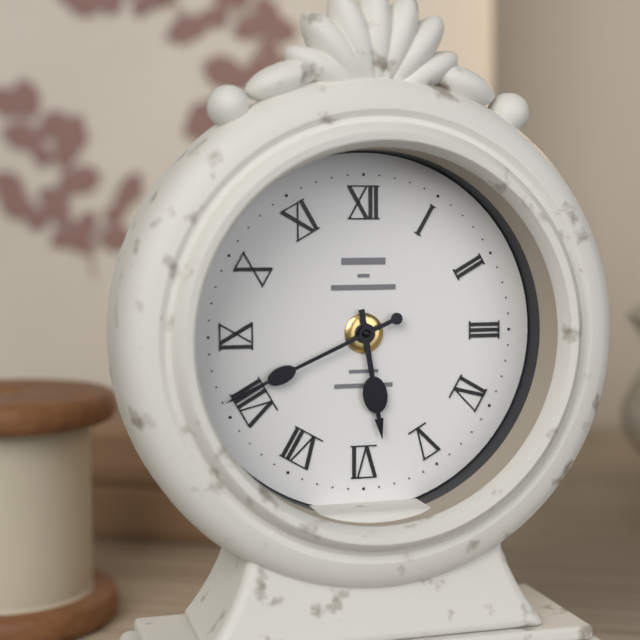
5:41
